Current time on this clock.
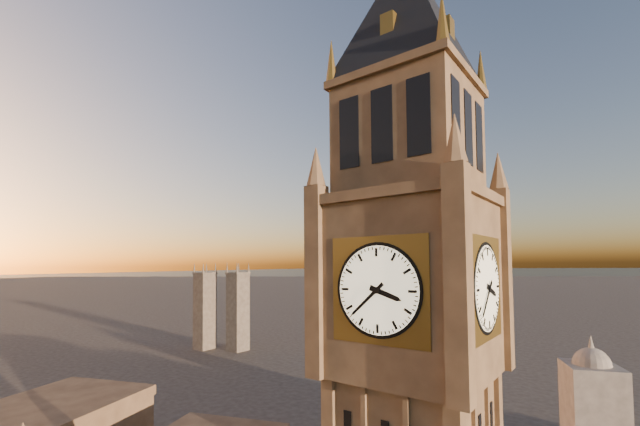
3:38
